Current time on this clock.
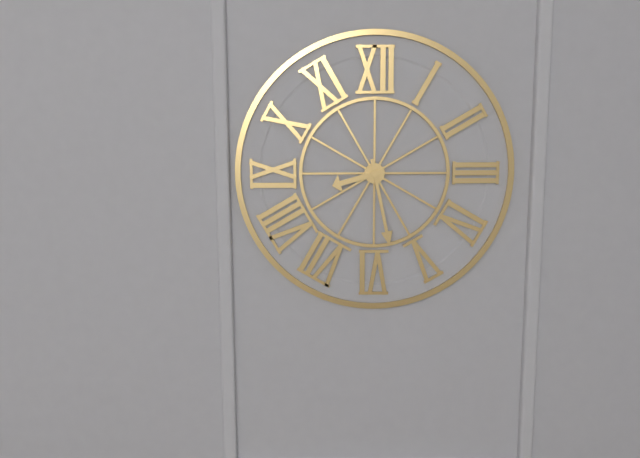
8:28
